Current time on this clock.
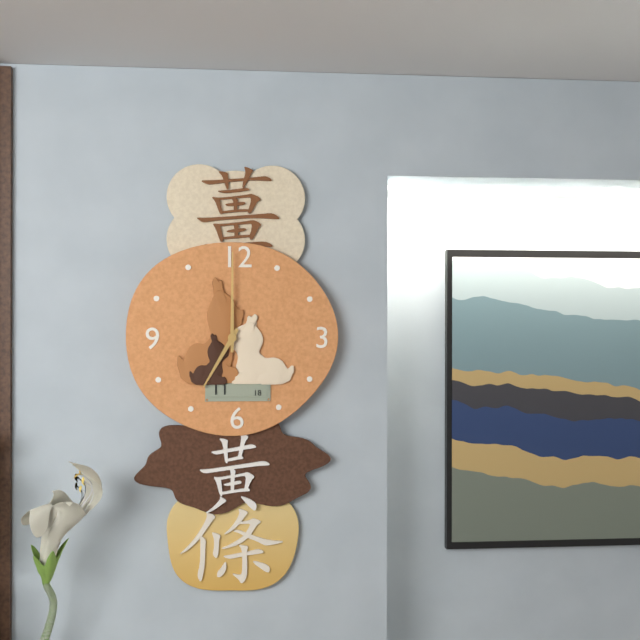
7:00
